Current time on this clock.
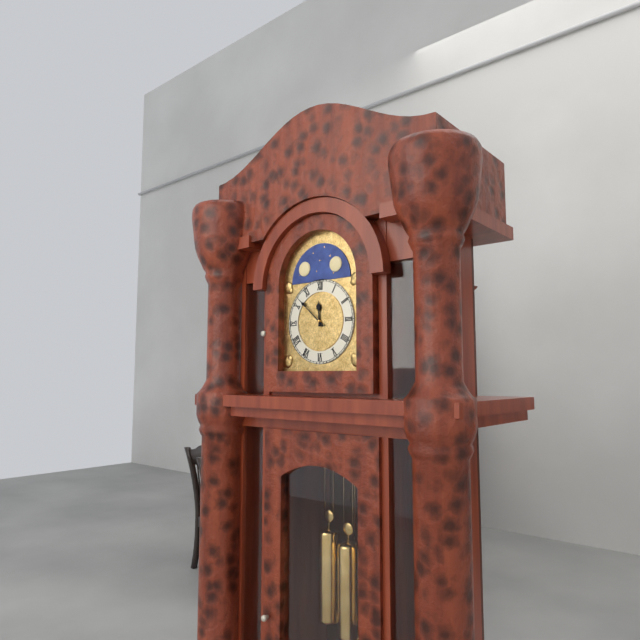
11:52
